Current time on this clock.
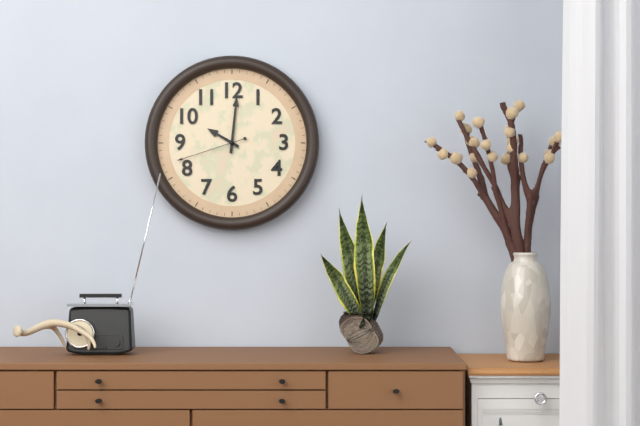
10:01:42
